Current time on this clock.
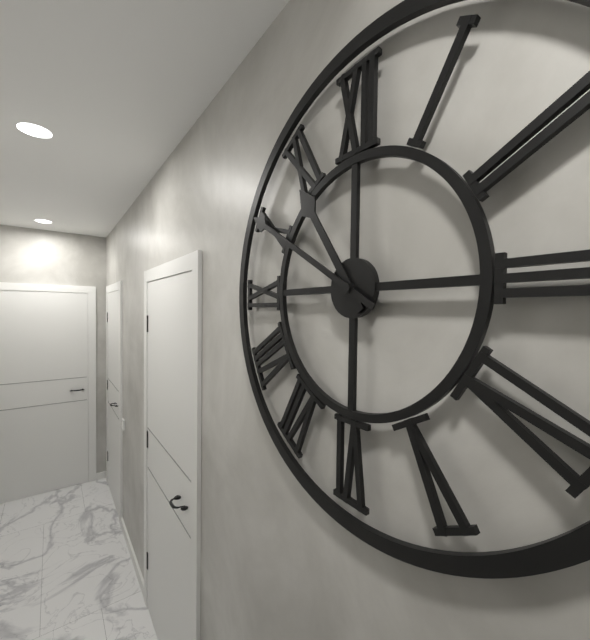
10:50
